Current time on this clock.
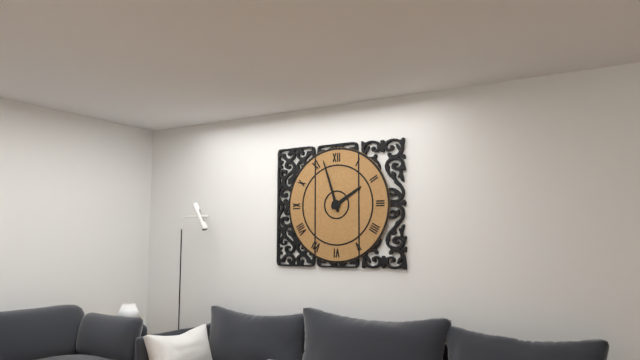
1:57
